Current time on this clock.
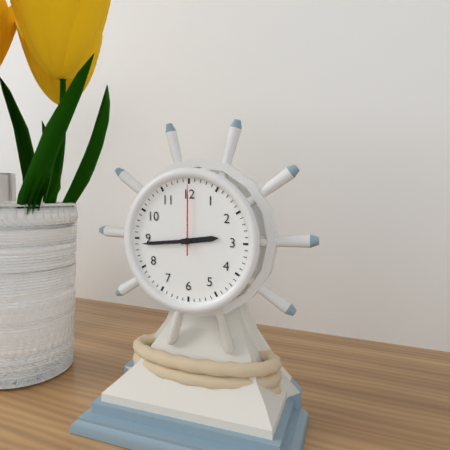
2:44:00
